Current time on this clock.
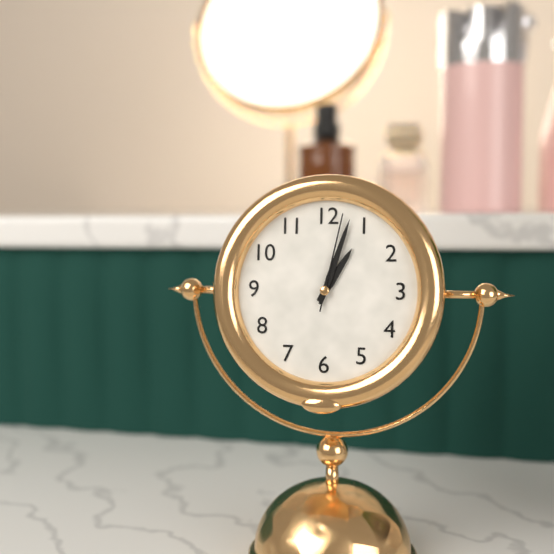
1:03:02
